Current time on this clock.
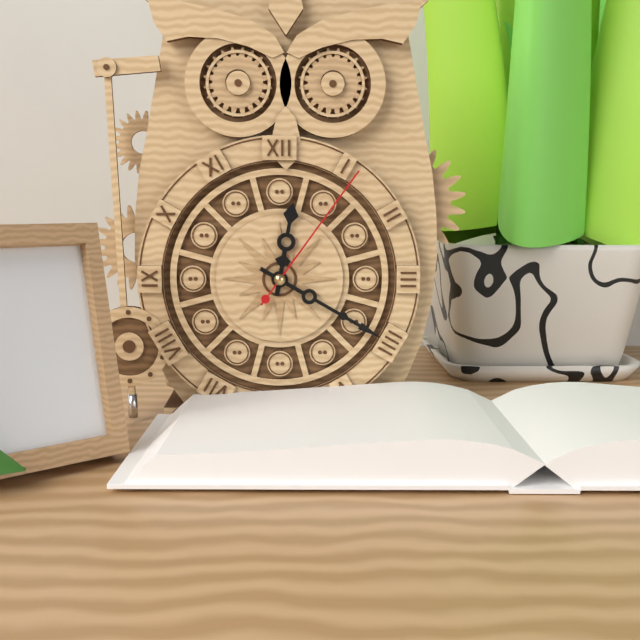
12:20:06
